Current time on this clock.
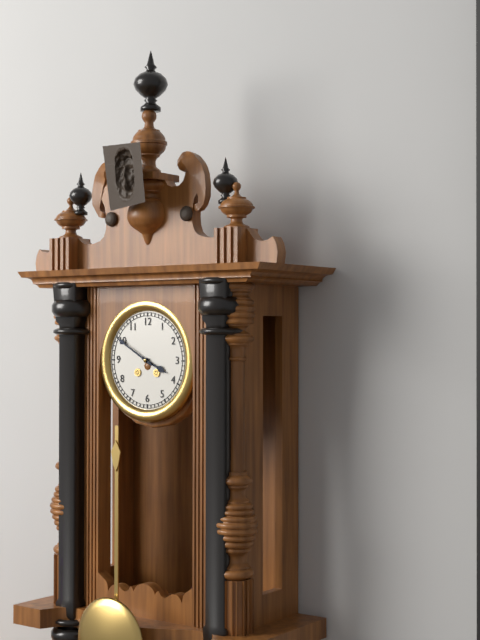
3:50
